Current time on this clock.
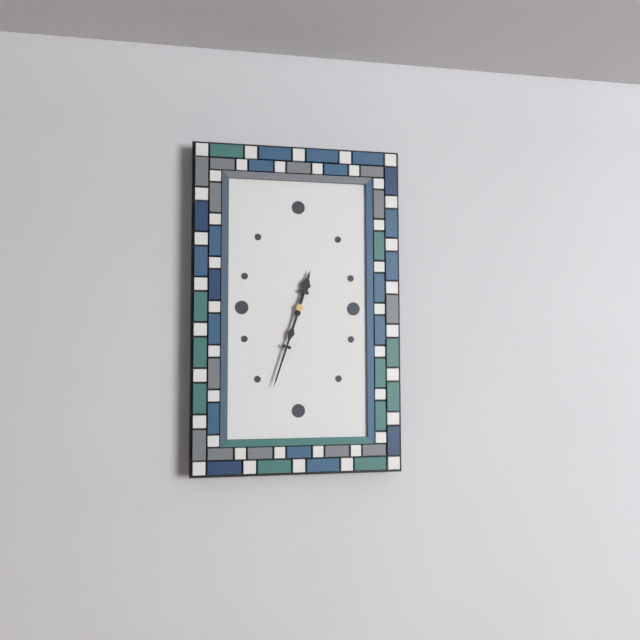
12:33
